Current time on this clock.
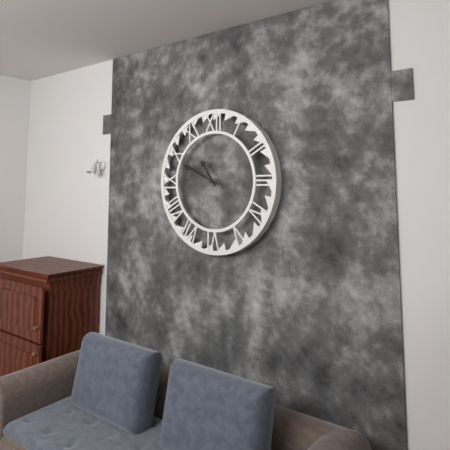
10:49
